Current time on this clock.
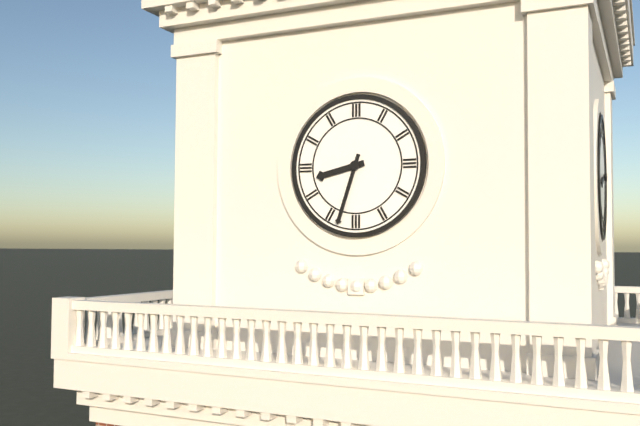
8:33
